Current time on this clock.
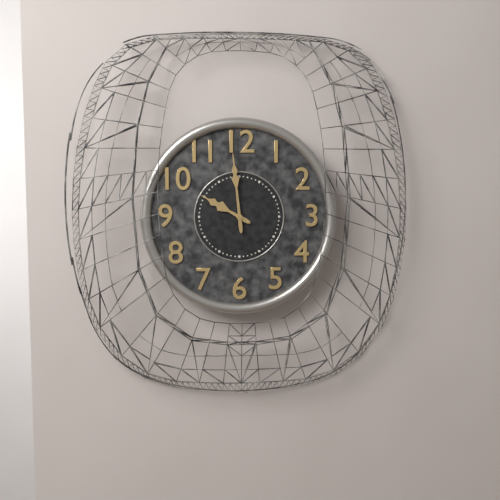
9:59
